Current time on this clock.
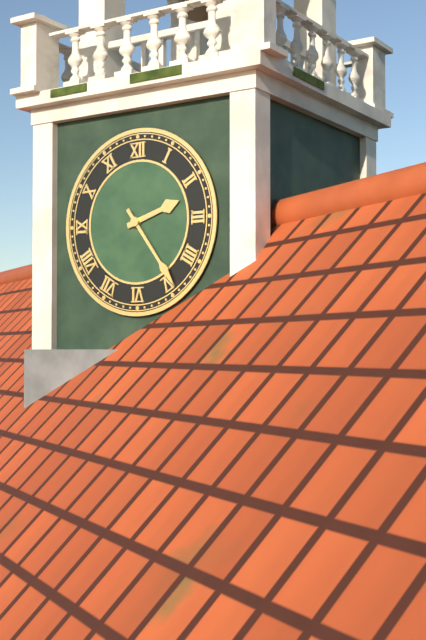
2:24
